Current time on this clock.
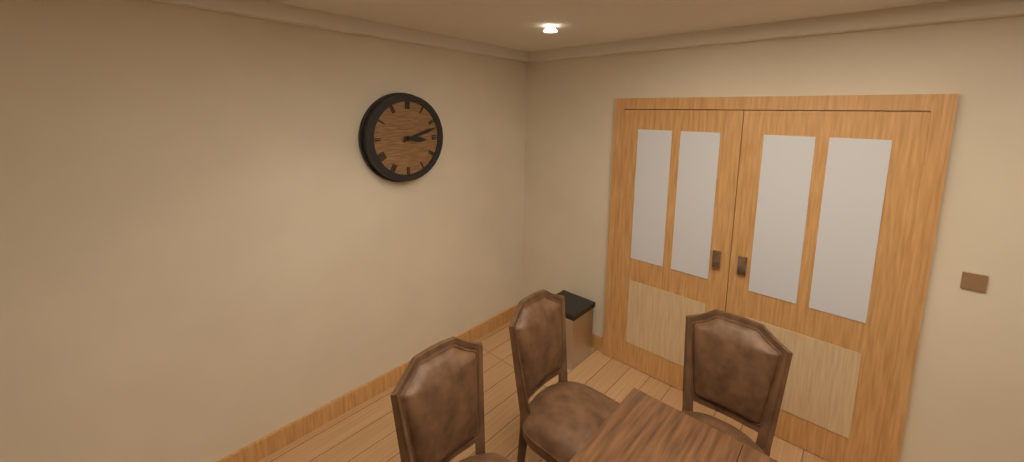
3:12
